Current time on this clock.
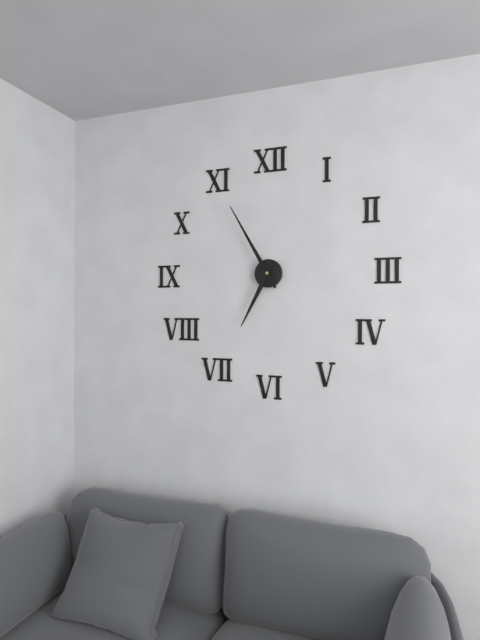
6:55
